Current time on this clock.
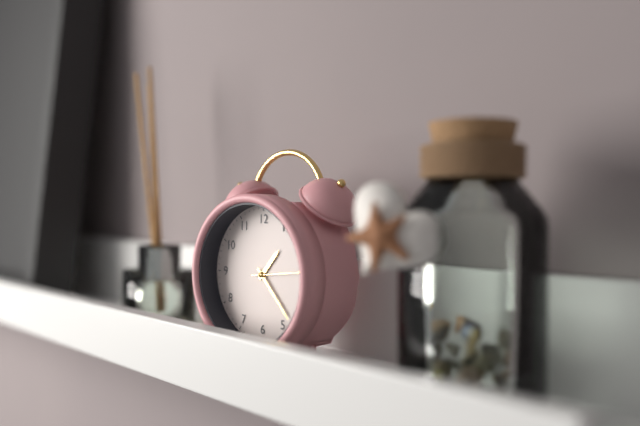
1:23:14
